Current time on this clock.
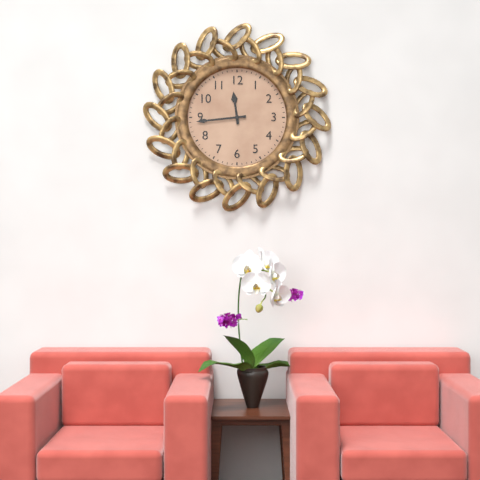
11:44
